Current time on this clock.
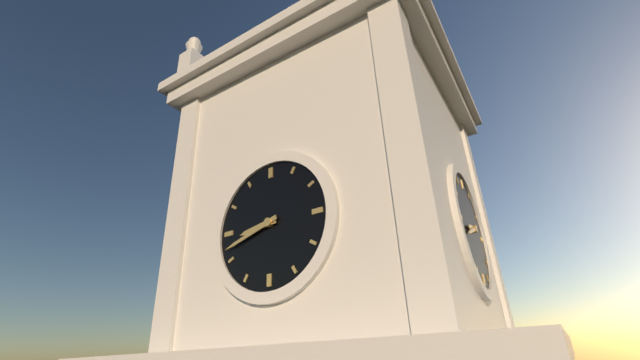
8:42
